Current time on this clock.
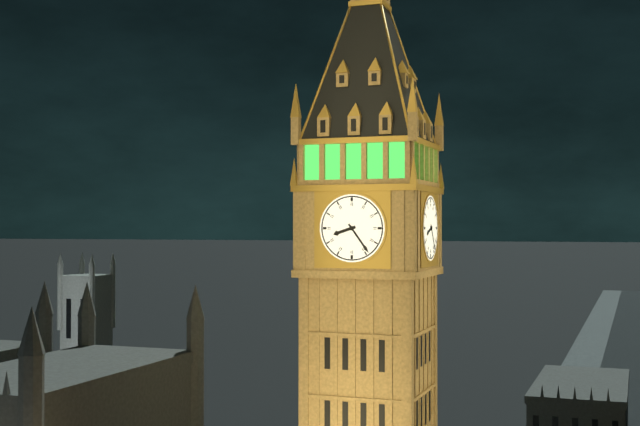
8:24
